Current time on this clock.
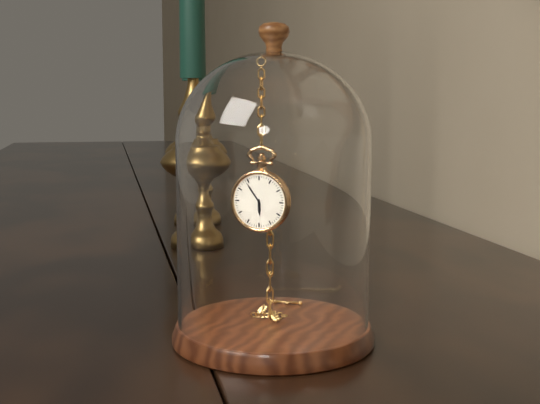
5:54
